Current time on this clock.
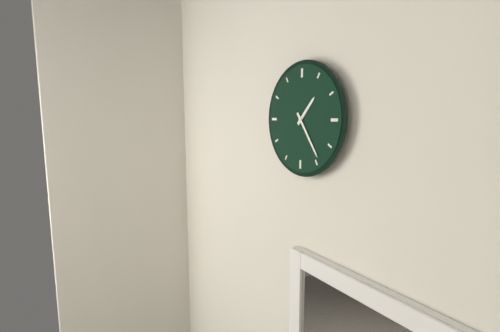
1:24
